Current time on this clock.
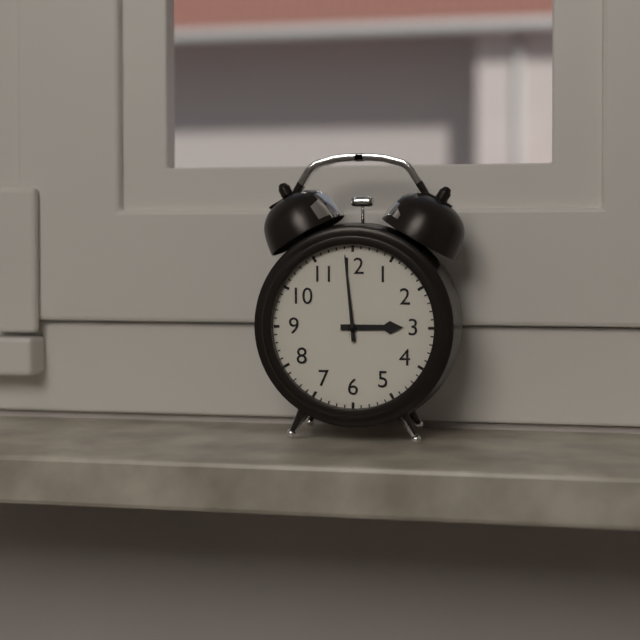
2:59
